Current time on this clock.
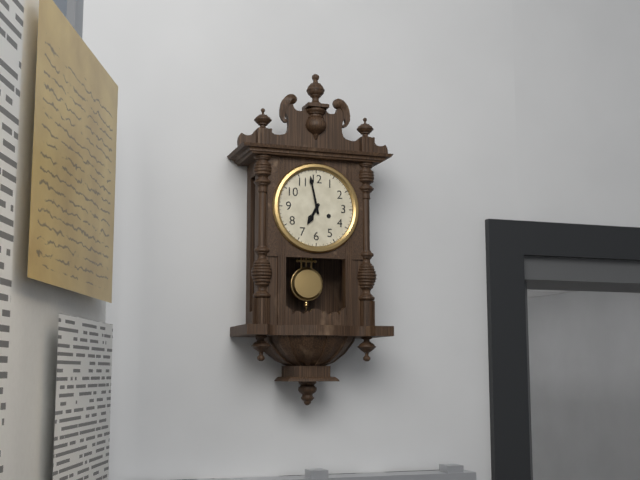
6:58
